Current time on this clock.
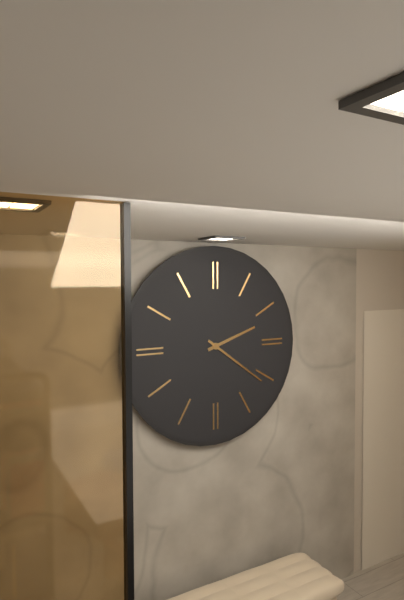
2:21
